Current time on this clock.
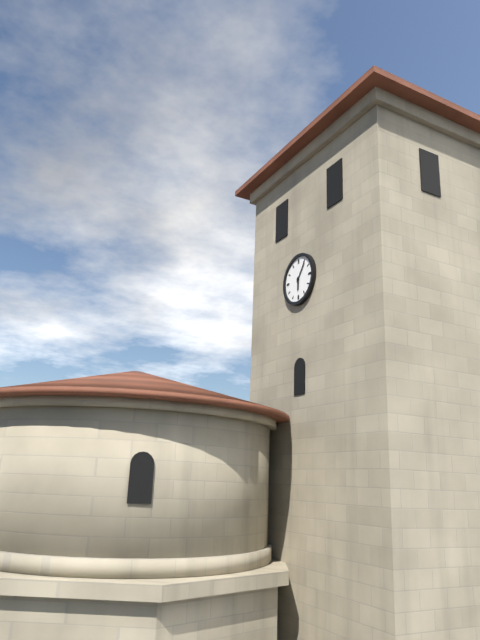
6:06
